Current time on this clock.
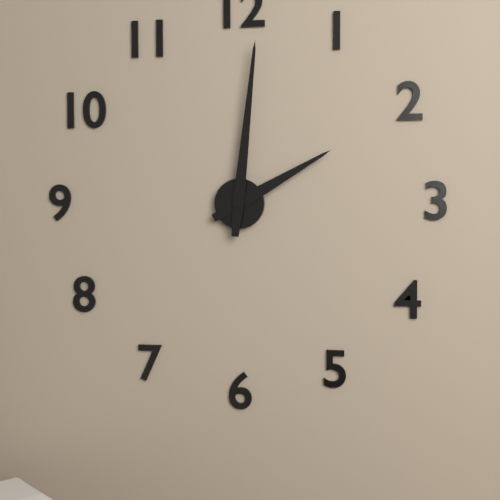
2:01
